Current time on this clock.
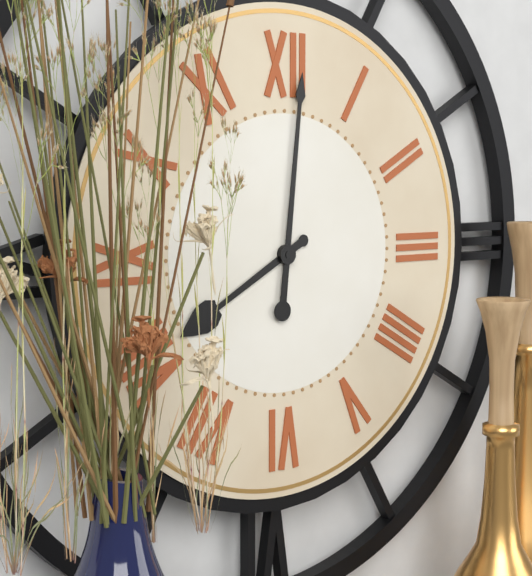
8:01
